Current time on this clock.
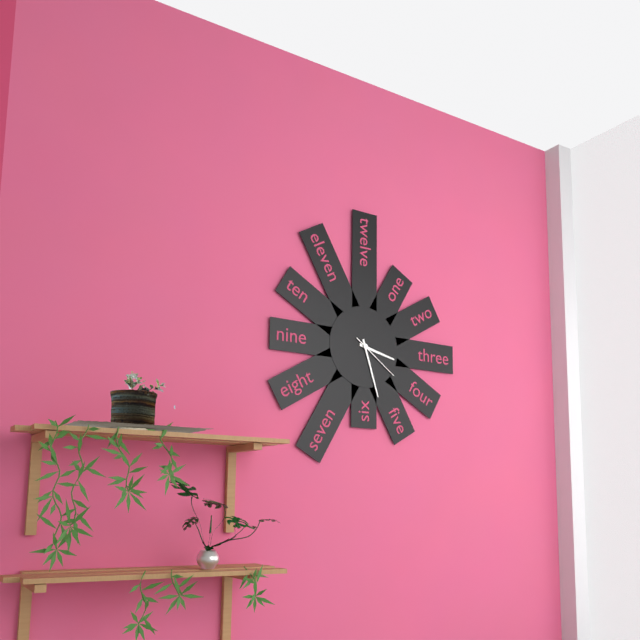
3:27:21
